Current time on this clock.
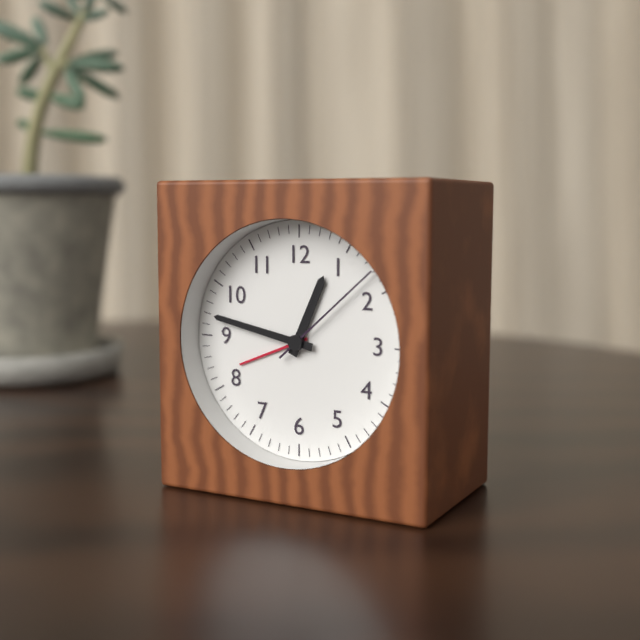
12:47:08
